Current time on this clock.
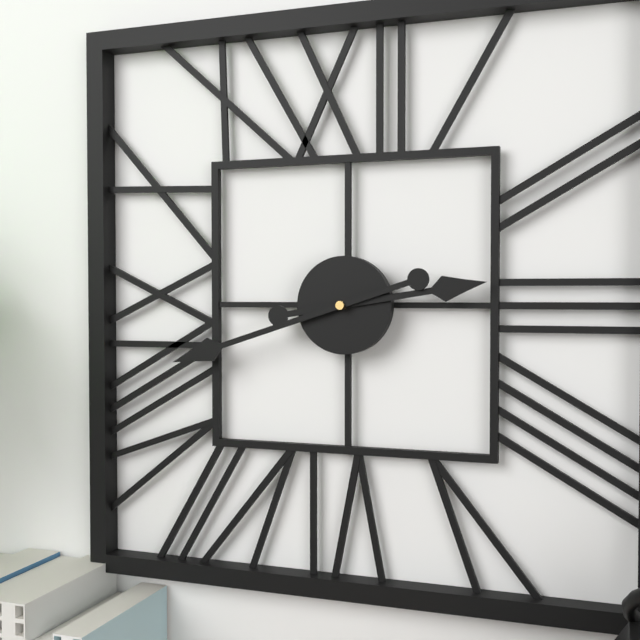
2:42
